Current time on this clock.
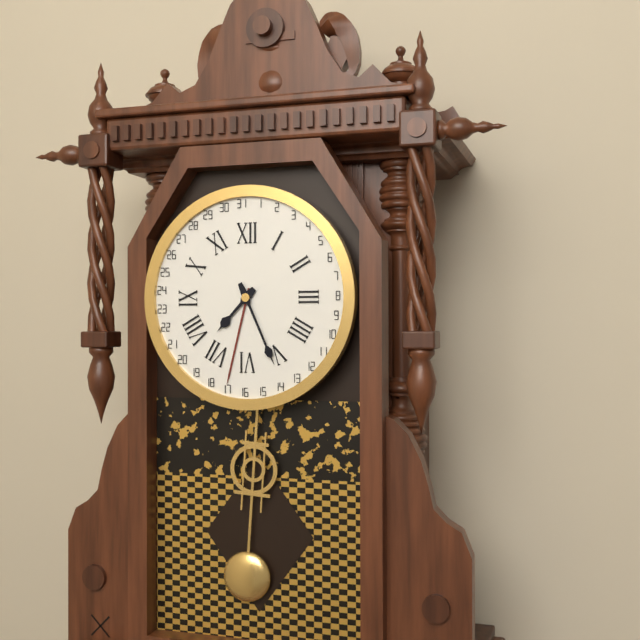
7:26
